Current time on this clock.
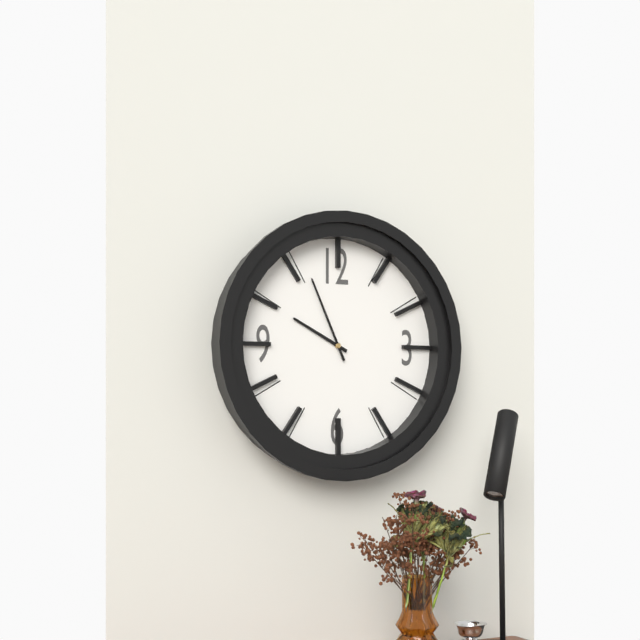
9:56
